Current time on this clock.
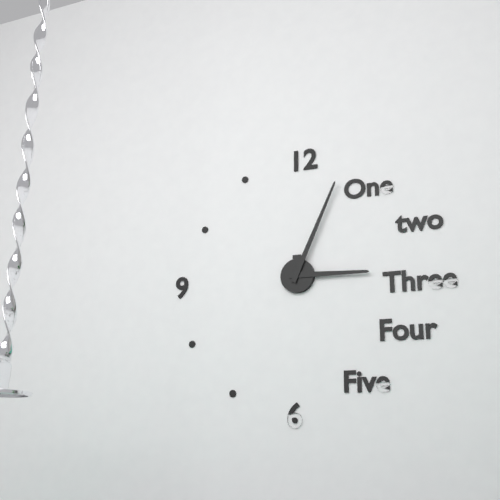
3:04
